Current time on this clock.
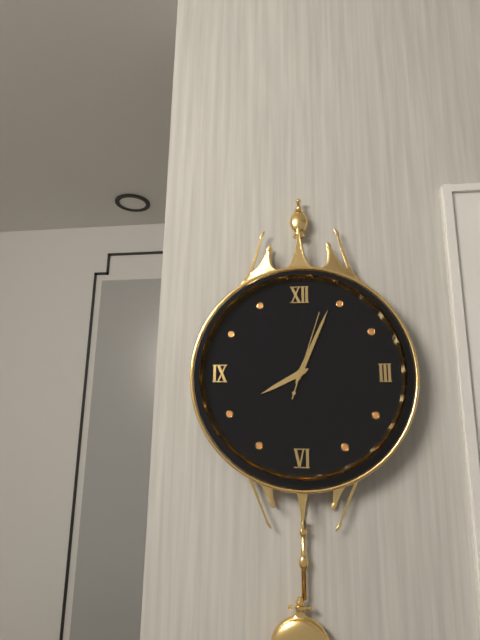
8:04:03
